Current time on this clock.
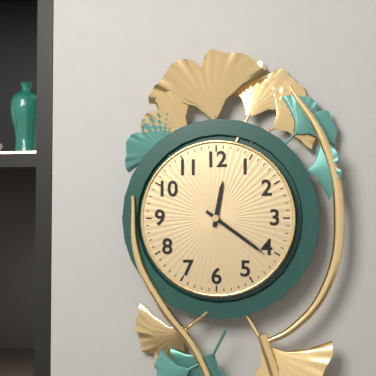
12:21
